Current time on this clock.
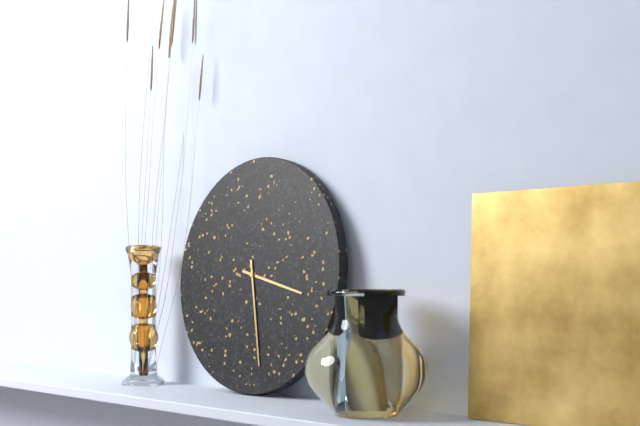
3:28
